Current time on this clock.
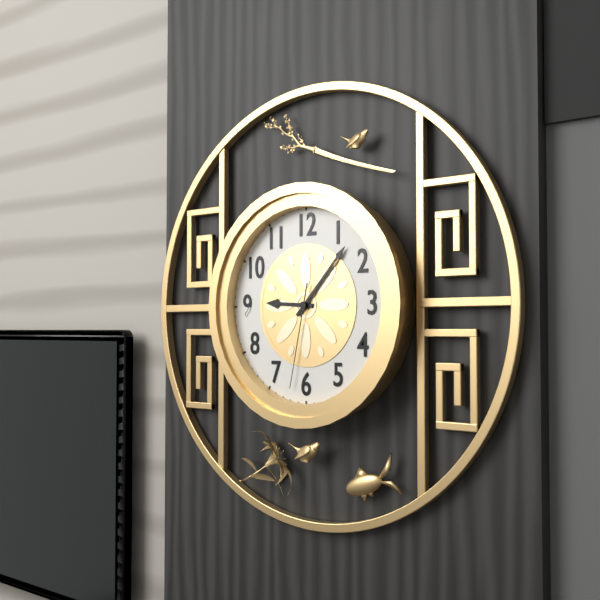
9:07:32
